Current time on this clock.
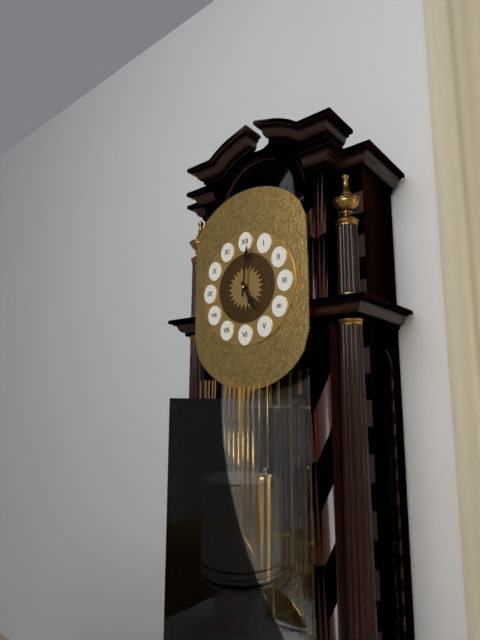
5:01
